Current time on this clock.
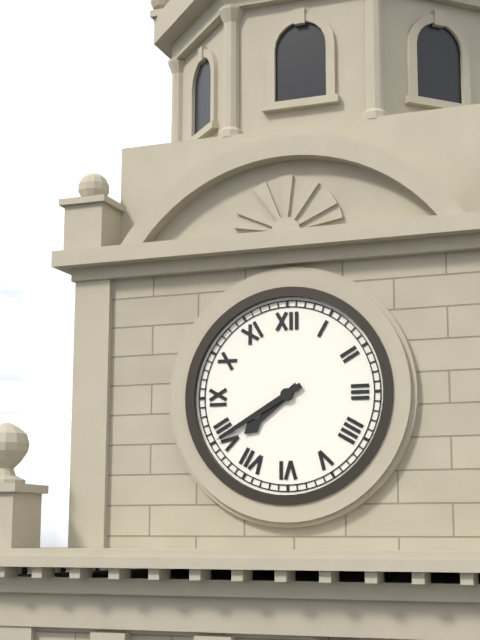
7:40
